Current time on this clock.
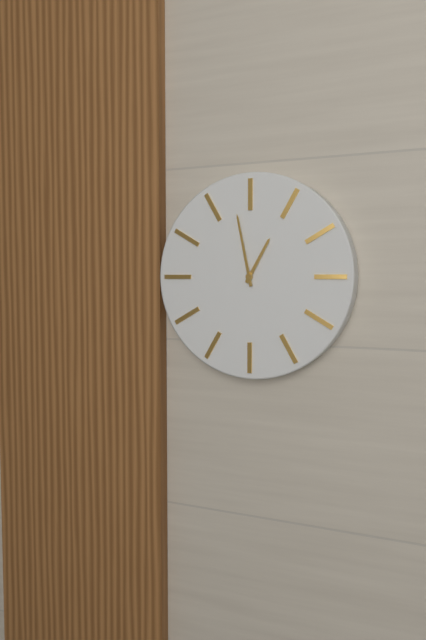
12:58
